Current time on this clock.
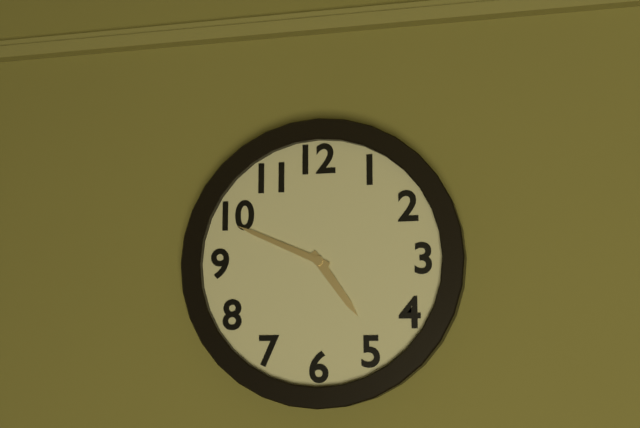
4:49
